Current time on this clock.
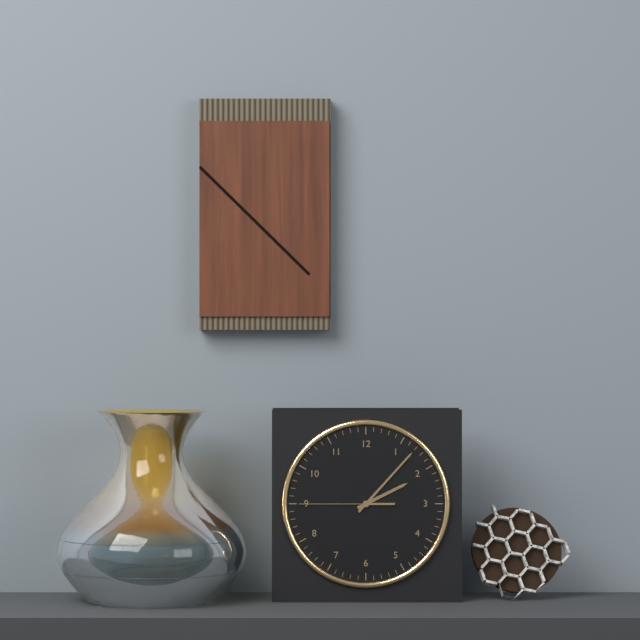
2:07:45
